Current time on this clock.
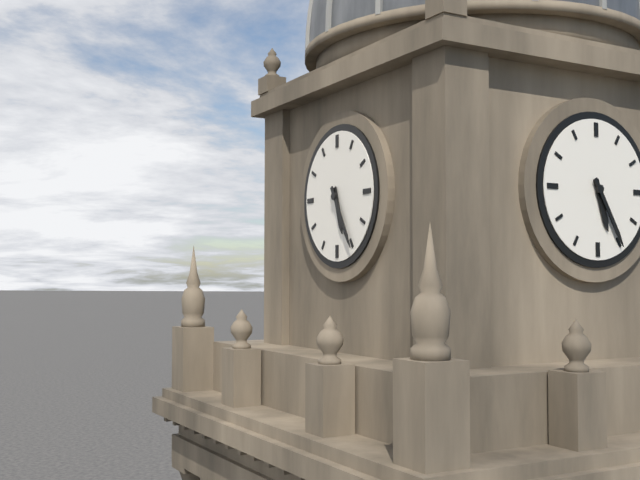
5:25
